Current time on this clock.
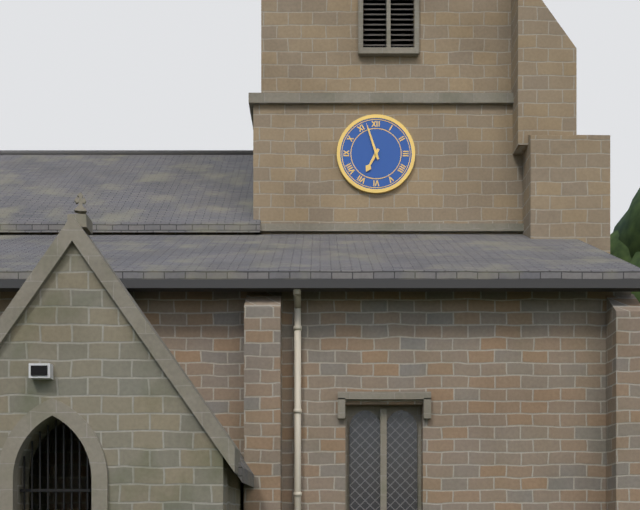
6:57
